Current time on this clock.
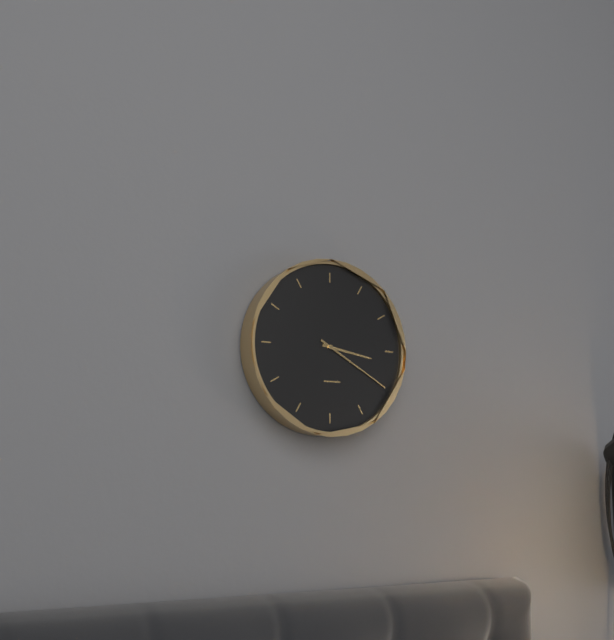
3:20
